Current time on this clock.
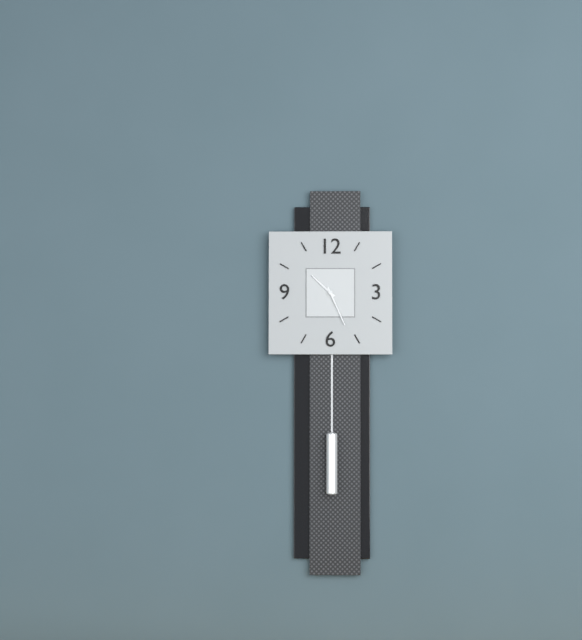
10:26
